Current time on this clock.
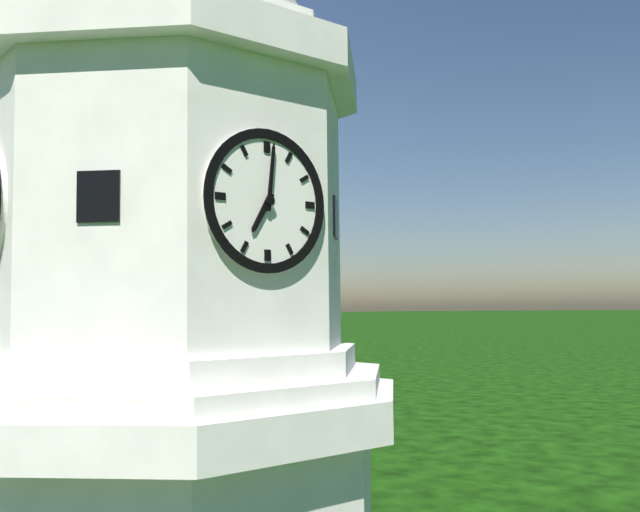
7:01
